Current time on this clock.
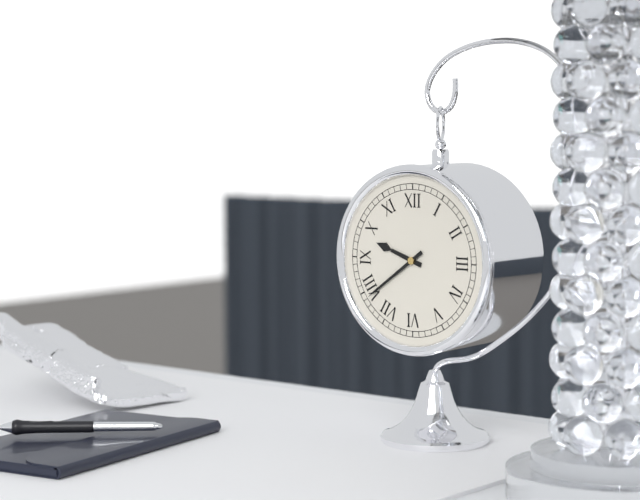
9:39
